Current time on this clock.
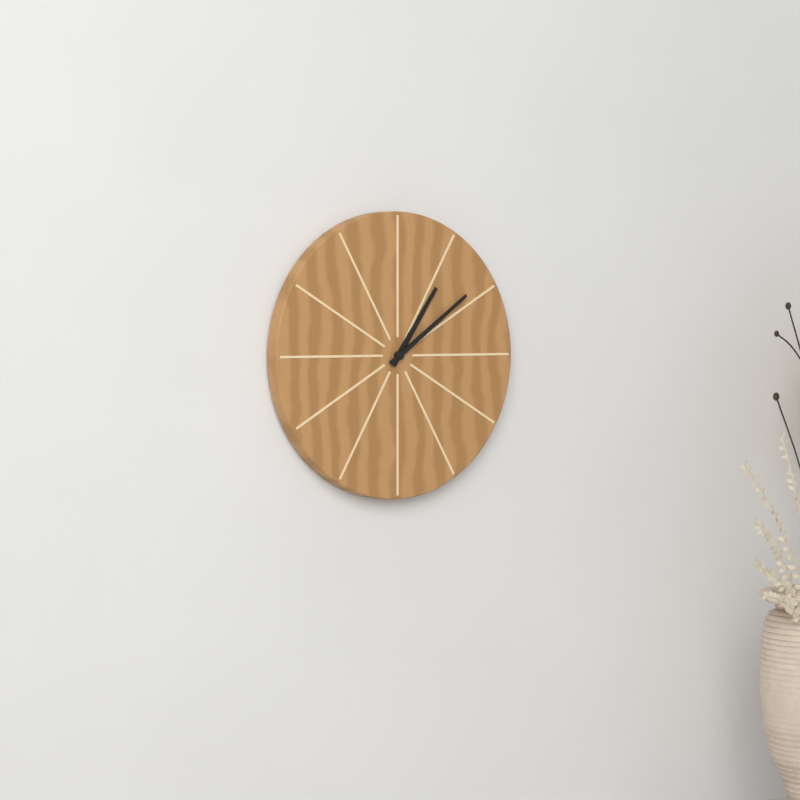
1:09
